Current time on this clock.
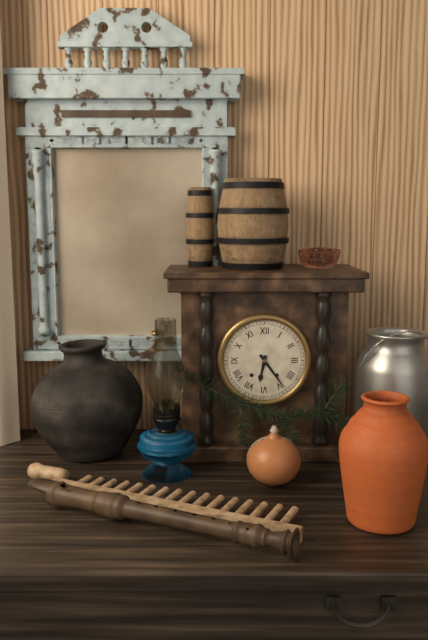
6:24
